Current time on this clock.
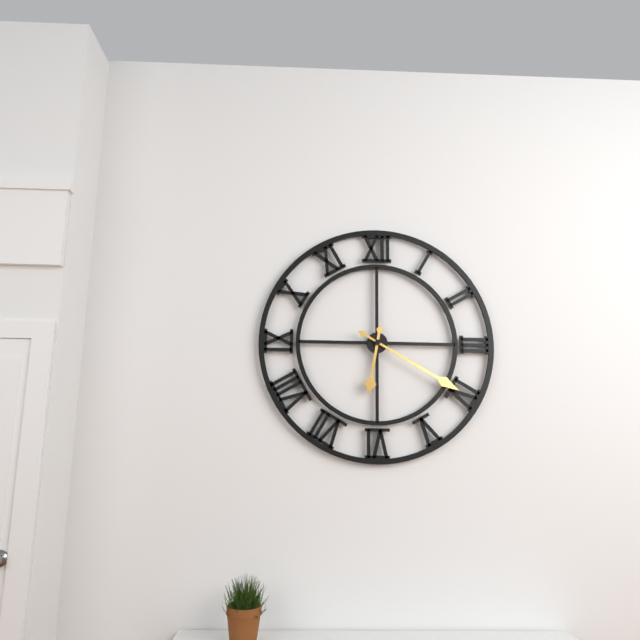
6:20
